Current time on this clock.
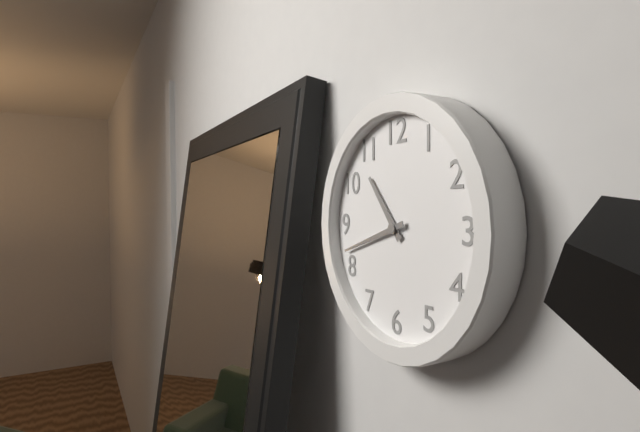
10:42
